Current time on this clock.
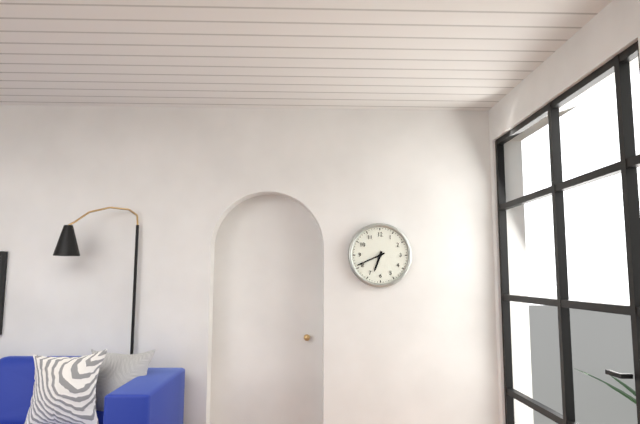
6:41
